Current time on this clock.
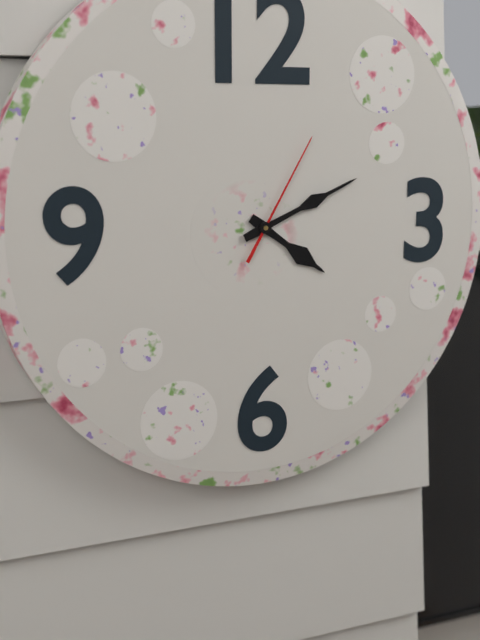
4:11:05
